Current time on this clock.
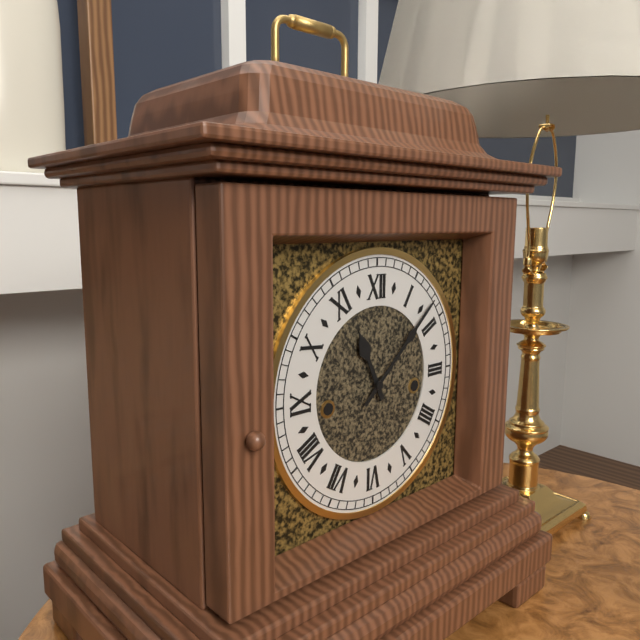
11:08
